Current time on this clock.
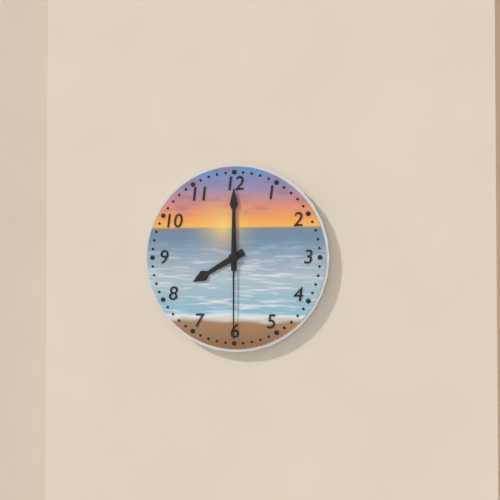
8:00:30
